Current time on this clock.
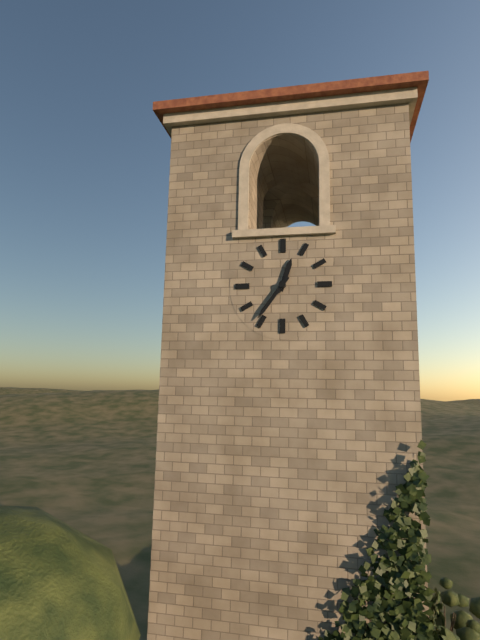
12:36
